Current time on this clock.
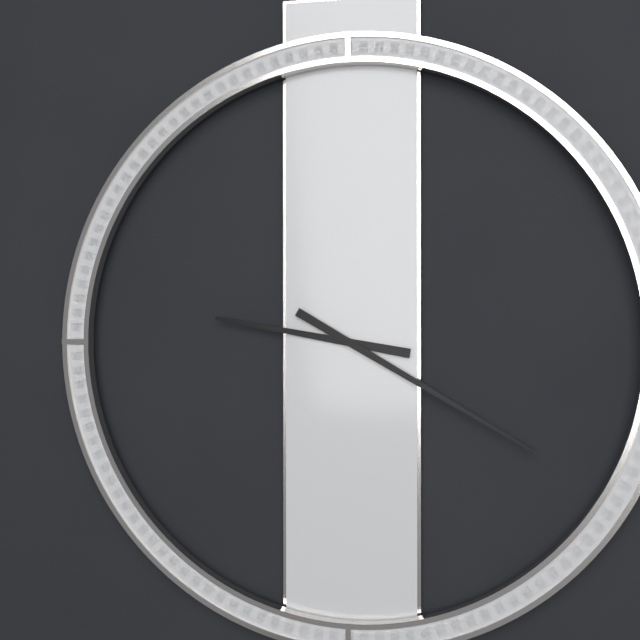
9:20
